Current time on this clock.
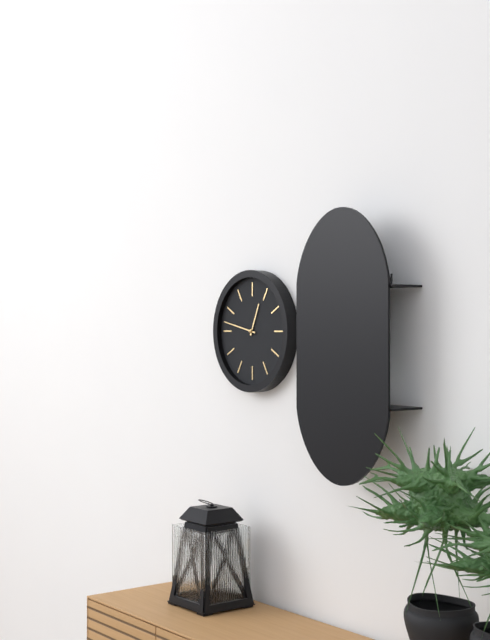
12:47
